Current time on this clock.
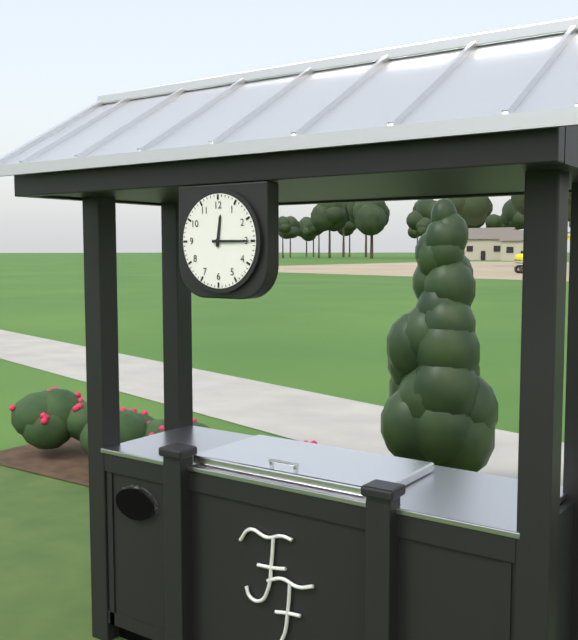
12:15
